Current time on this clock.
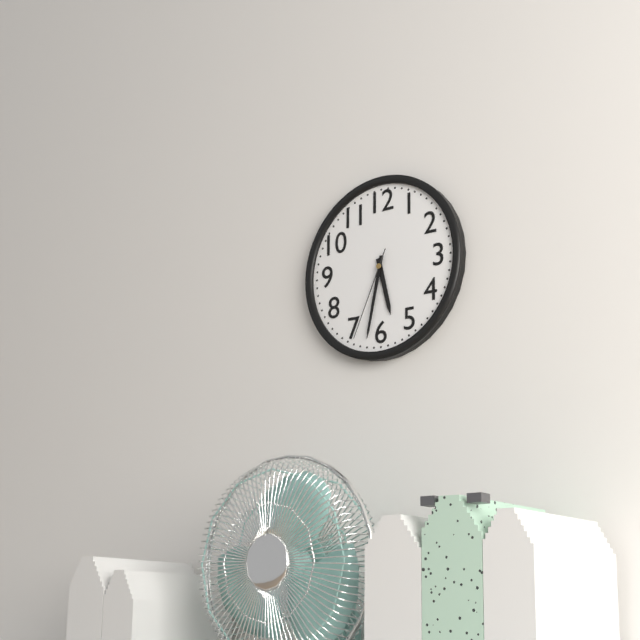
5:32:34
